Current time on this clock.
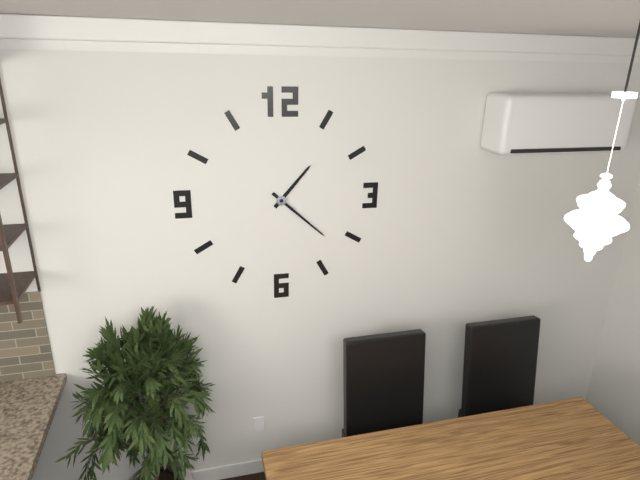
1:22
